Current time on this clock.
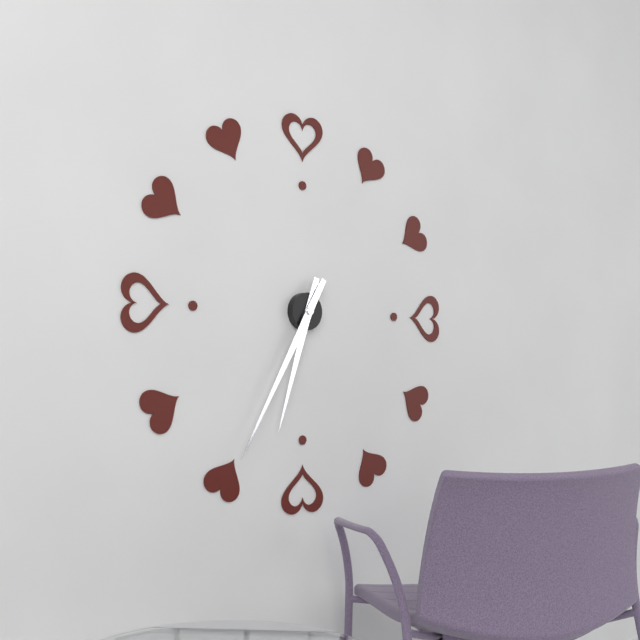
6:35
